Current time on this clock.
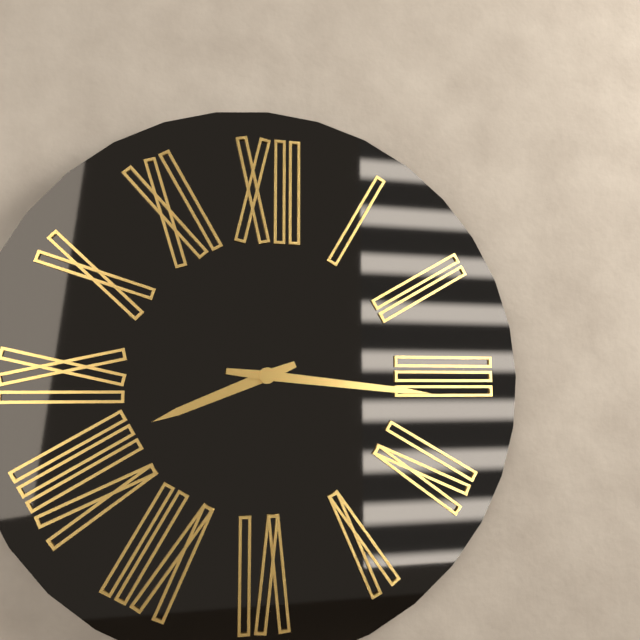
8:16
